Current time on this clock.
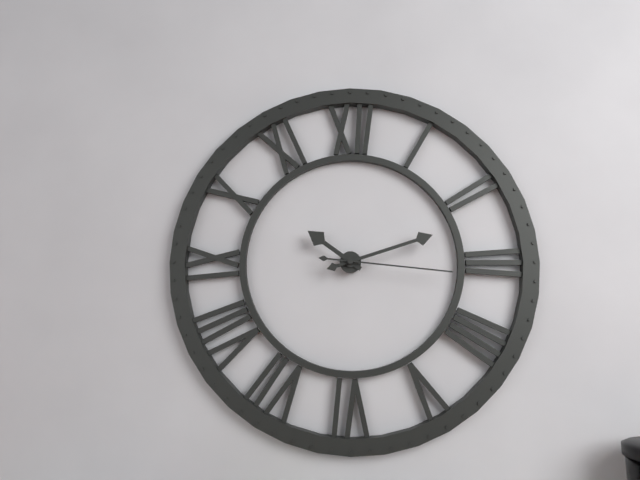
10:12:16
